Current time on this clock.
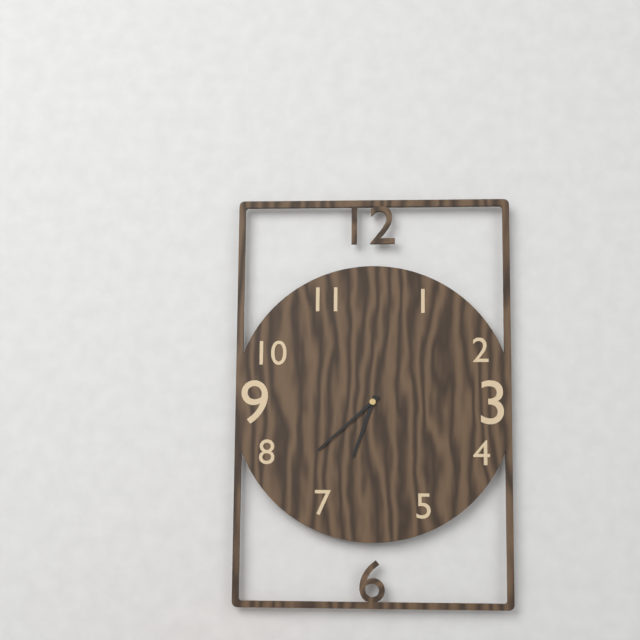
6:38
